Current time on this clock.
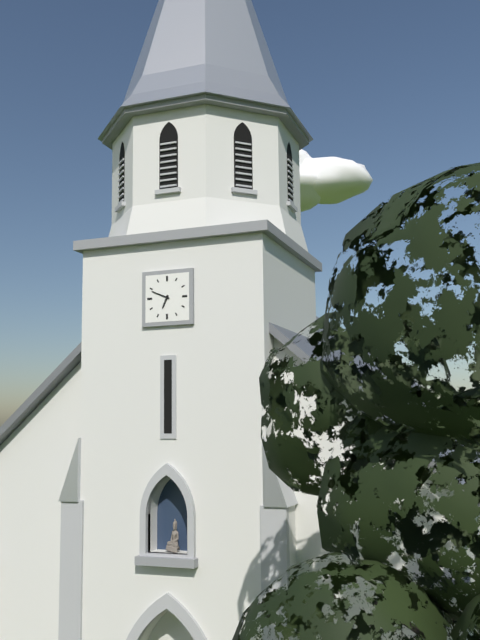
6:49
